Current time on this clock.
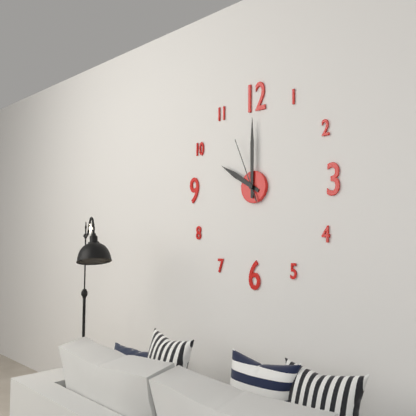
10:00:56
